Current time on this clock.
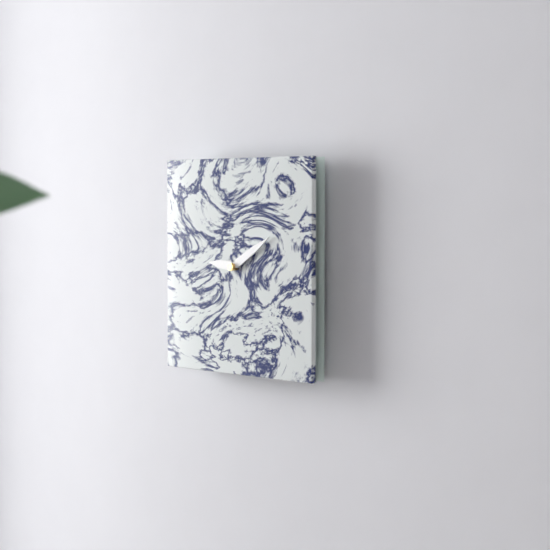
9:10
